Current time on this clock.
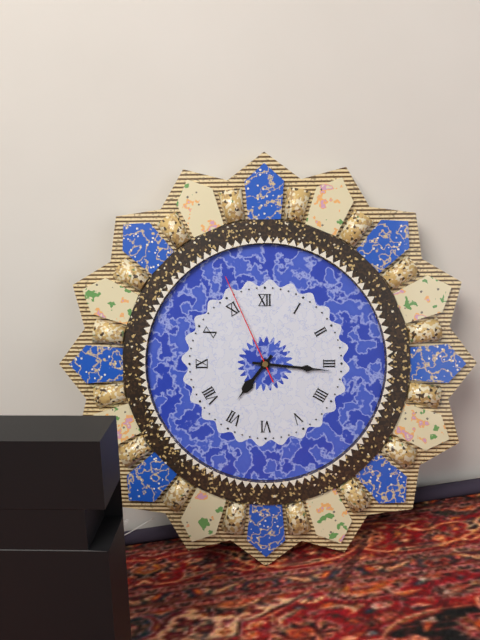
7:16:56
